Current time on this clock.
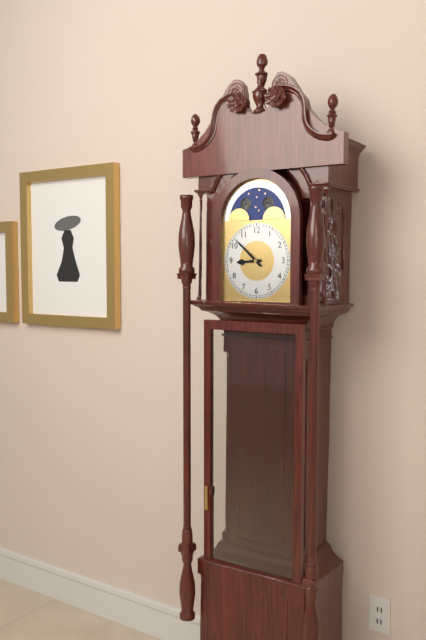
8:52
